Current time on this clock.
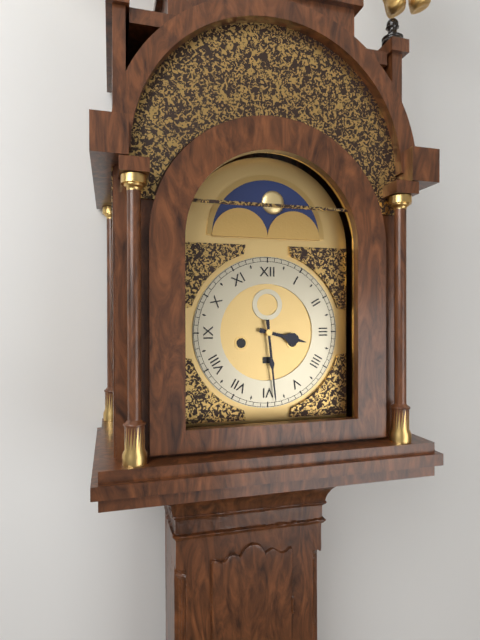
3:29
